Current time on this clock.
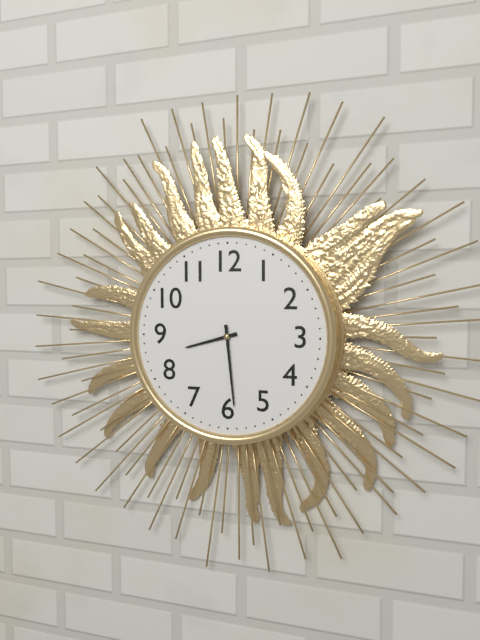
8:29
